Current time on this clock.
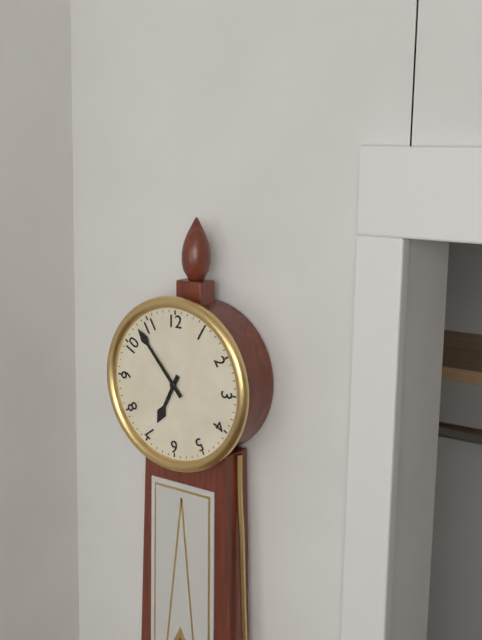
6:53
